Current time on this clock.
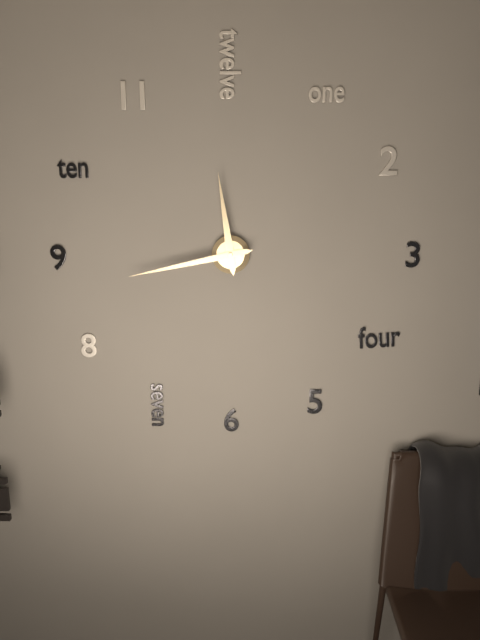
11:43
